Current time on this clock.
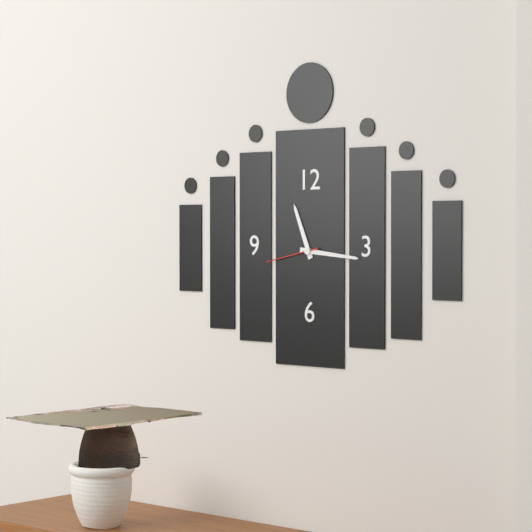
11:16:43
